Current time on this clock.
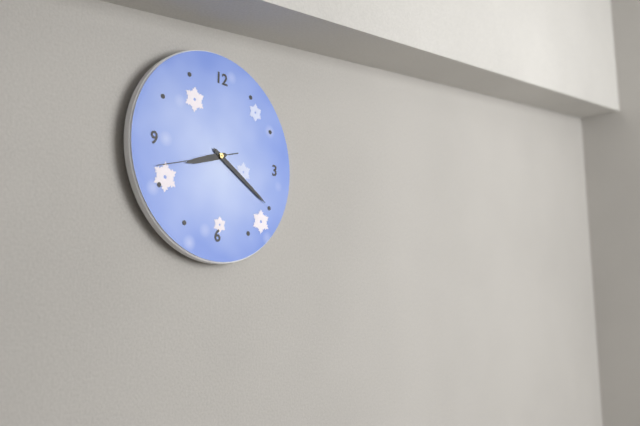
8:20:42
